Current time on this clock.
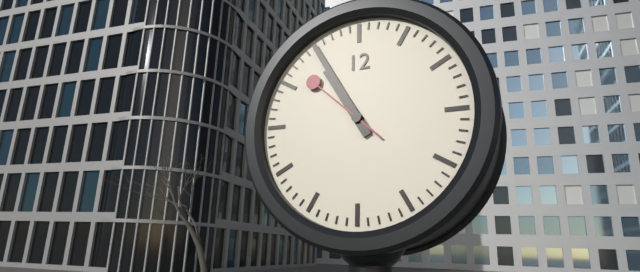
10:55:52
